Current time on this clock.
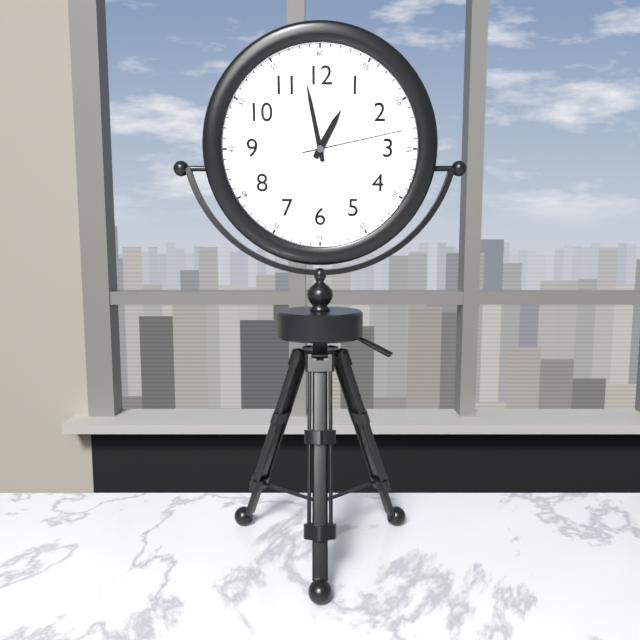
12:58:13
